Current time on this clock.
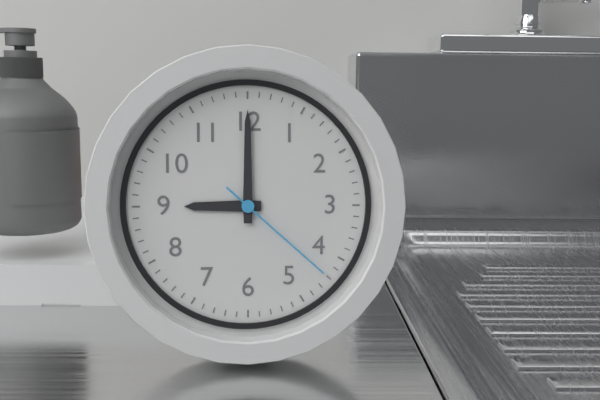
9:00:22
